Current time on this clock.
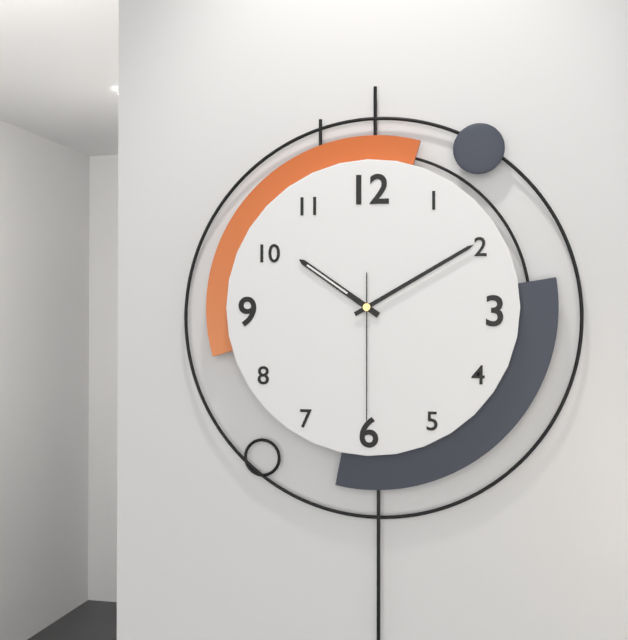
10:10:30
